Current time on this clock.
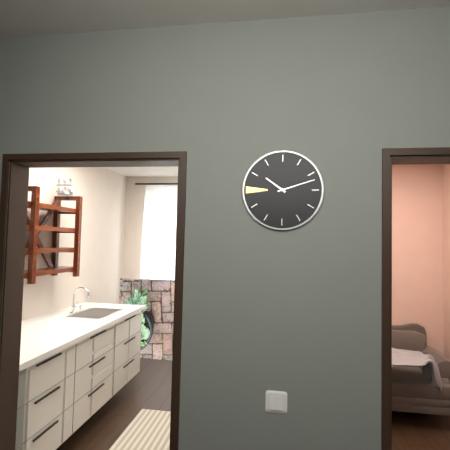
10:12
